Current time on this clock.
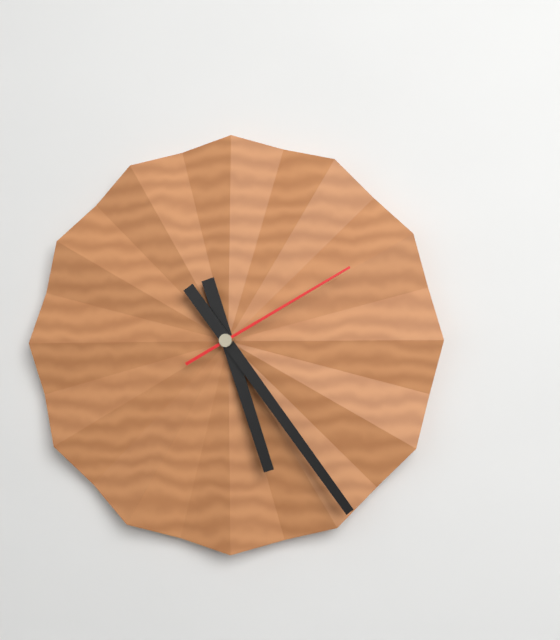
5:24:10
